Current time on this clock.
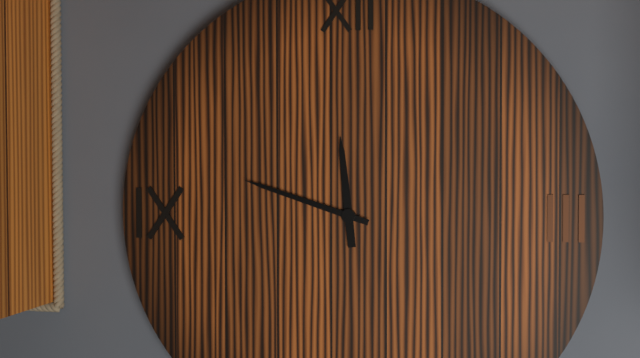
11:48
